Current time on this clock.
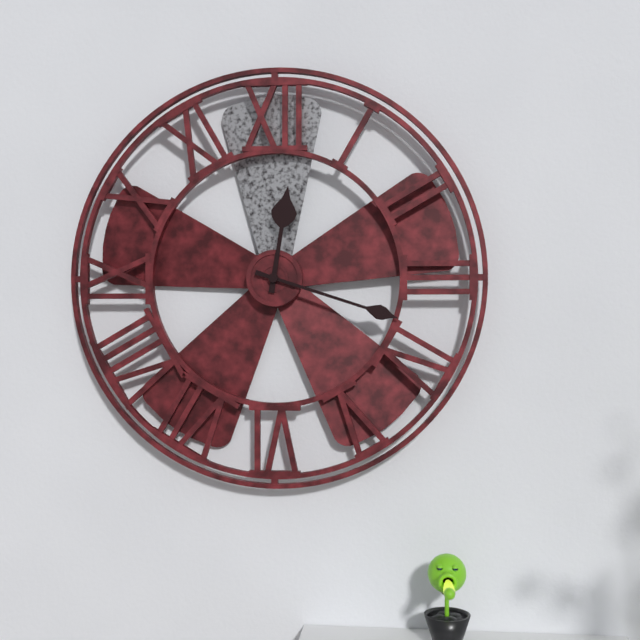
12:18
